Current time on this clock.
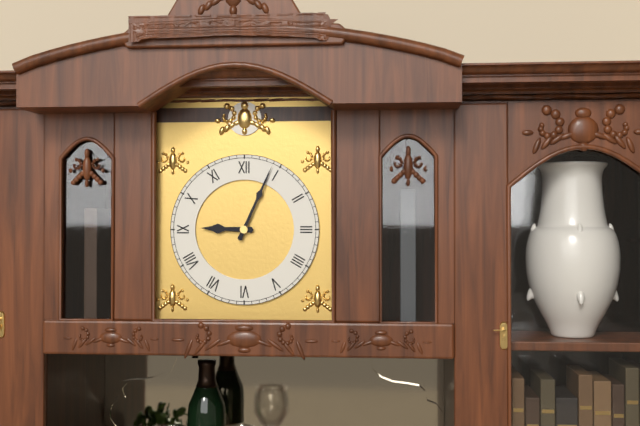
9:04
